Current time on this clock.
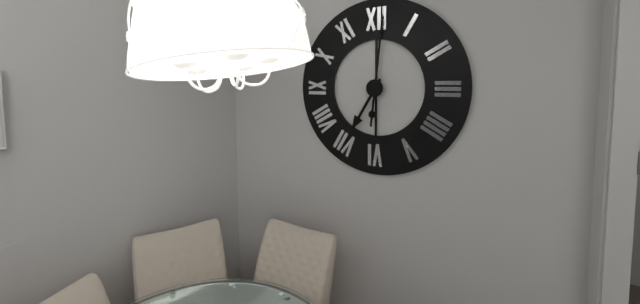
7:01
